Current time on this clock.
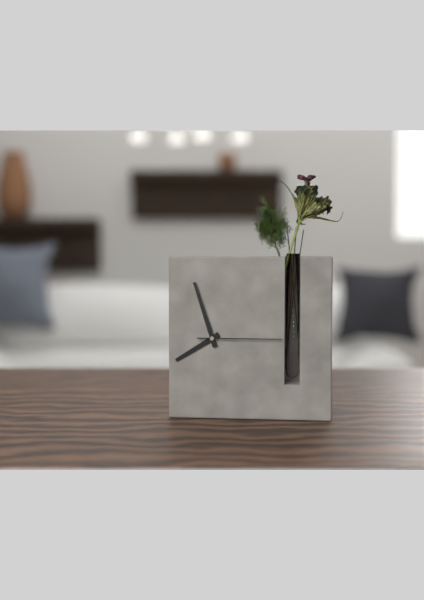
7:57:15
